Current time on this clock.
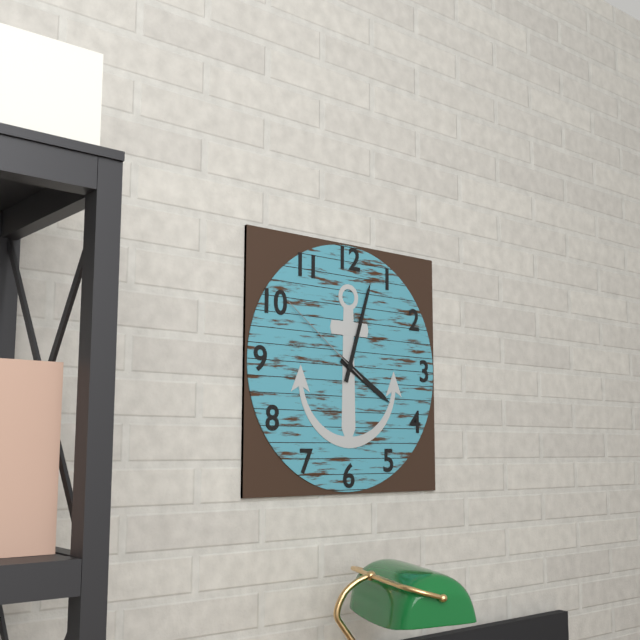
4:03:51
